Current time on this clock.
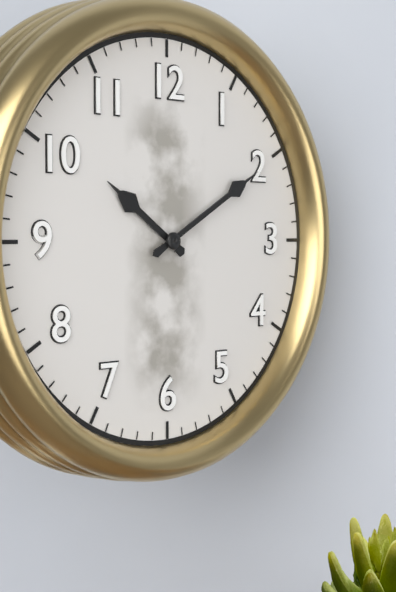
10:10
